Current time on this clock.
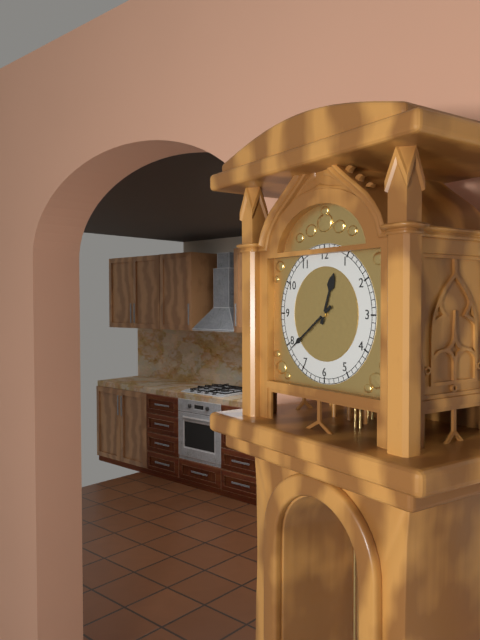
12:39
